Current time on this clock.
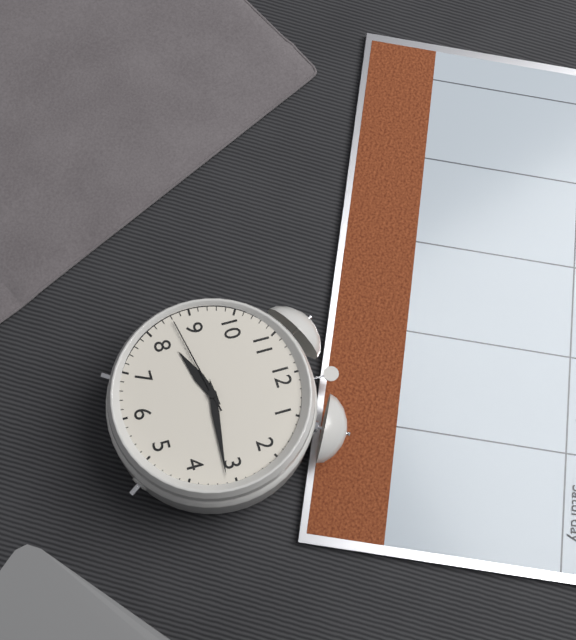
8:16:43
